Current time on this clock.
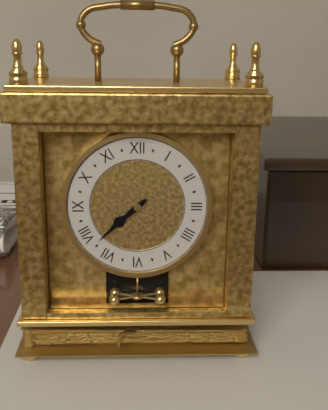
7:38
